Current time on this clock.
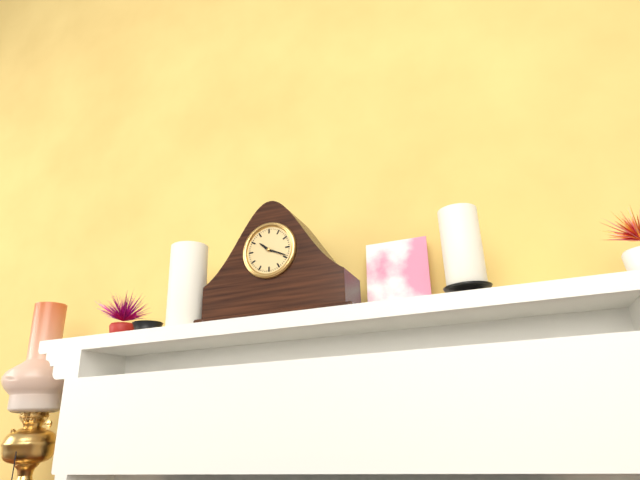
10:19
